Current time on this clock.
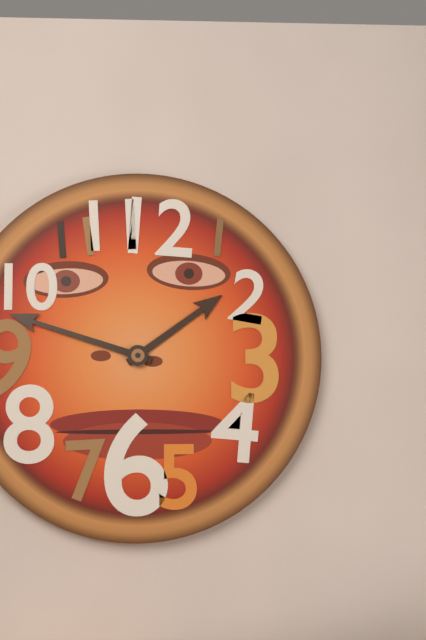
1:48
